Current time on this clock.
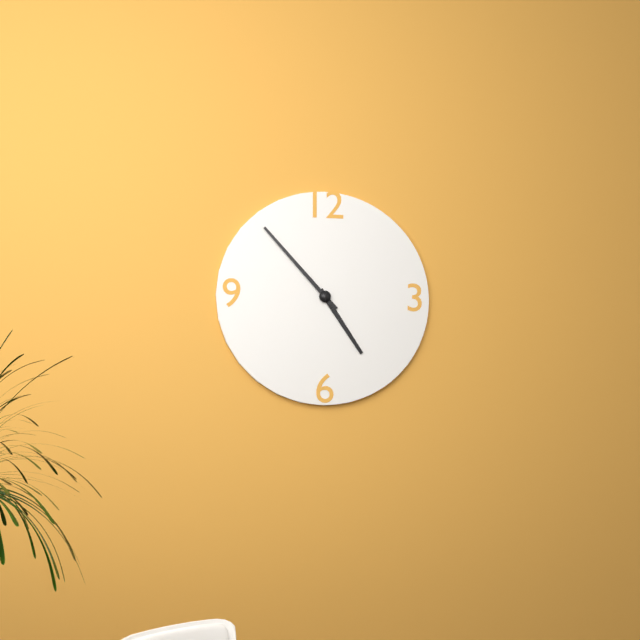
4:53
